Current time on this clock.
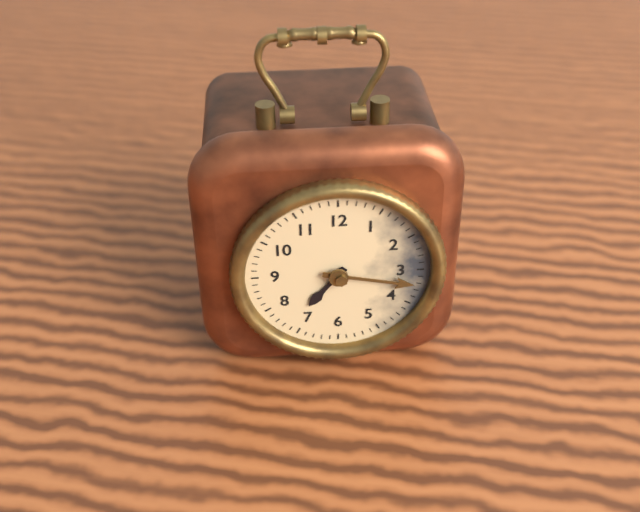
7:17
